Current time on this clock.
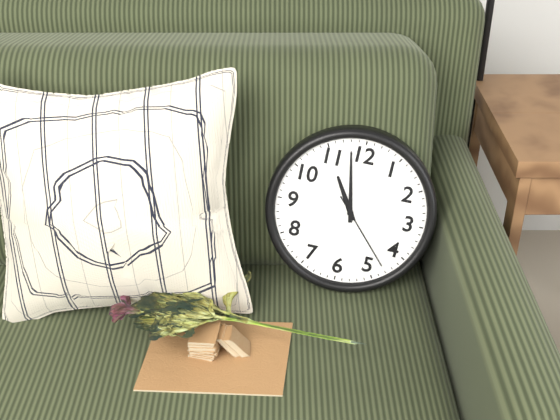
10:58:23
